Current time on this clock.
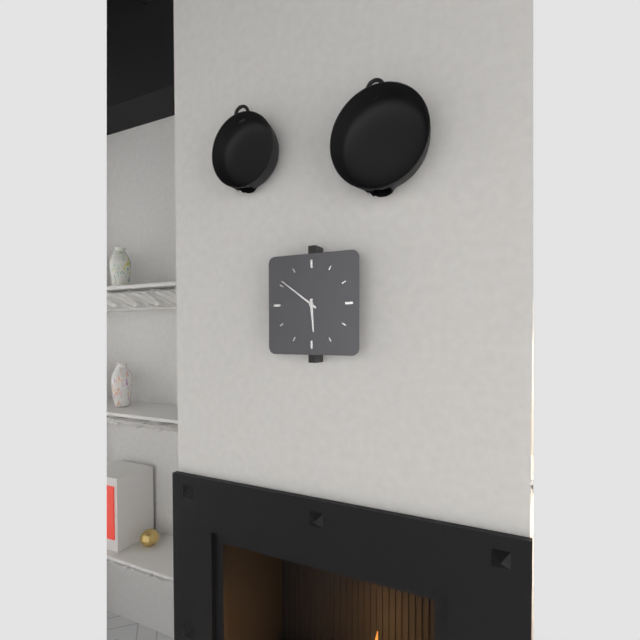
5:51
